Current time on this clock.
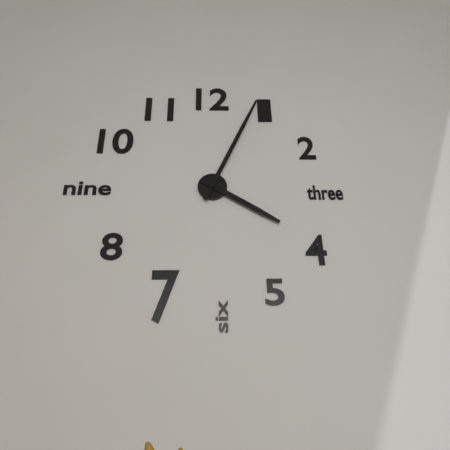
4:04
